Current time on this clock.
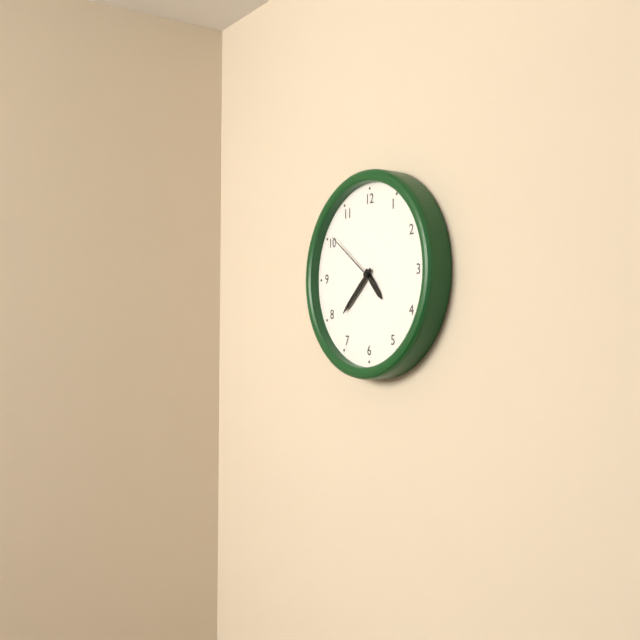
4:38:51
